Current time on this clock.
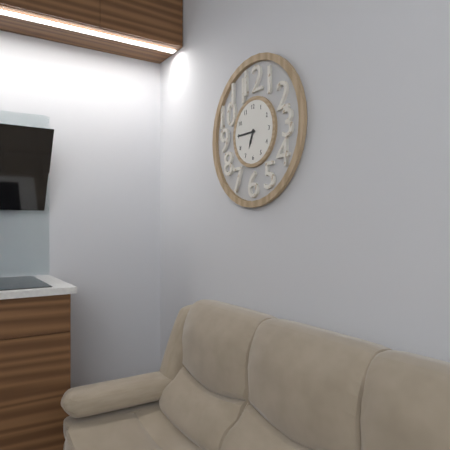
6:45
